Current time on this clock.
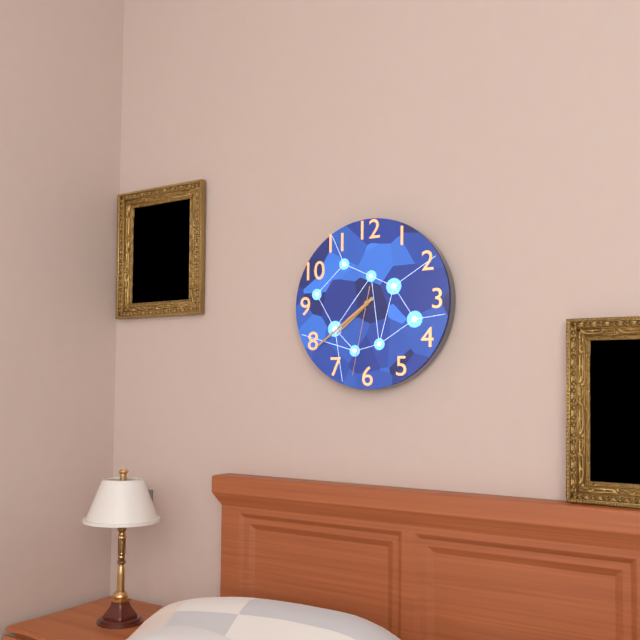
7:39:32
